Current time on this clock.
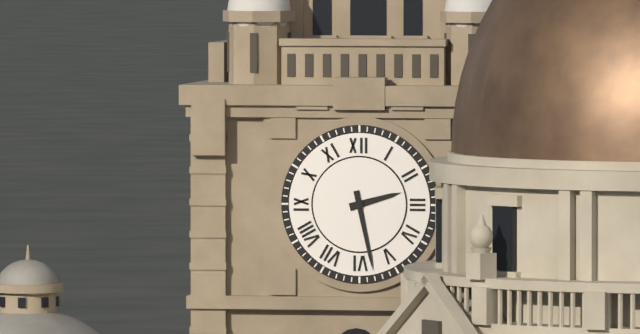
2:28
